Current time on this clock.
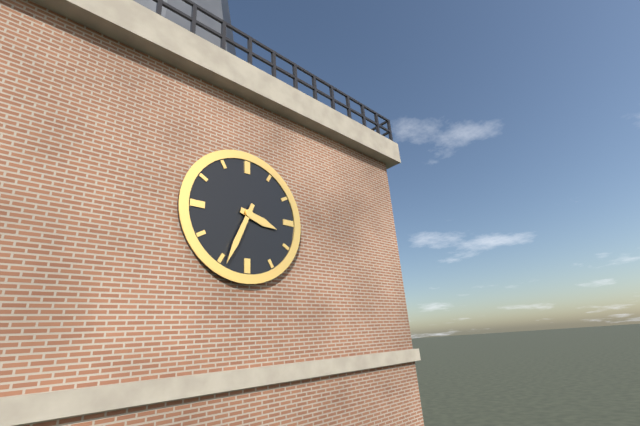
3:34
